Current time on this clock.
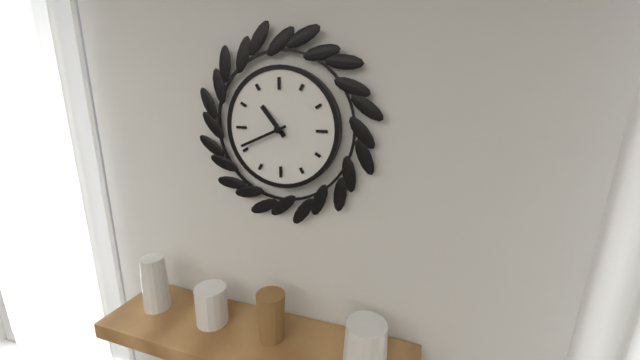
10:41
